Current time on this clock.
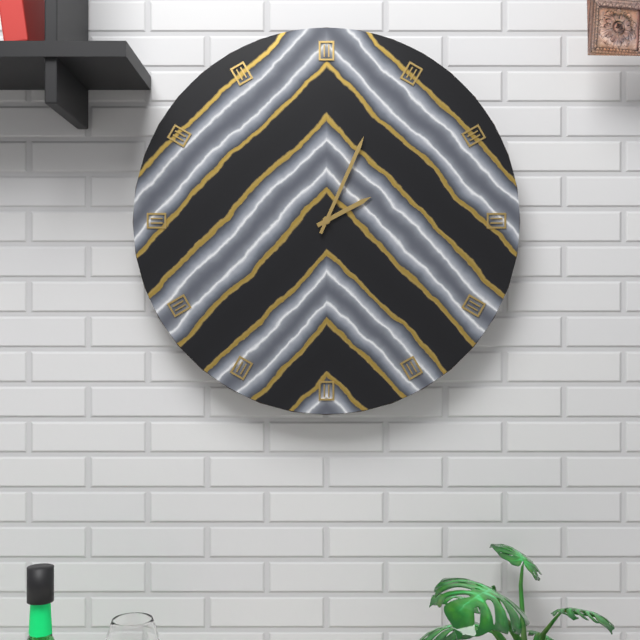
2:04
